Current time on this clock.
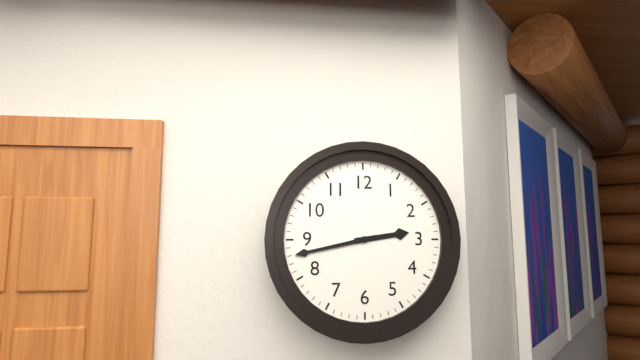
2:43
